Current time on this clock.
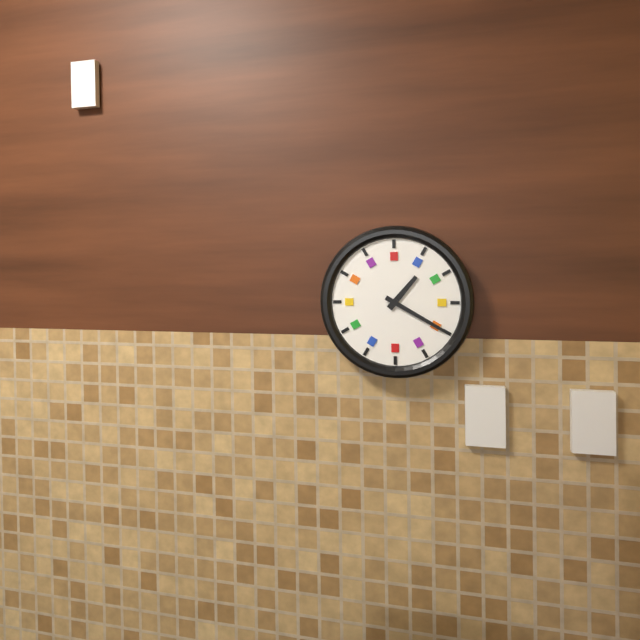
1:20
